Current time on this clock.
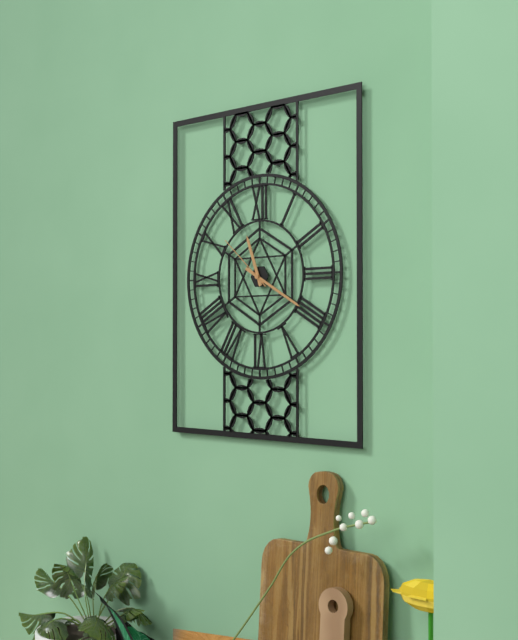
11:20:52
